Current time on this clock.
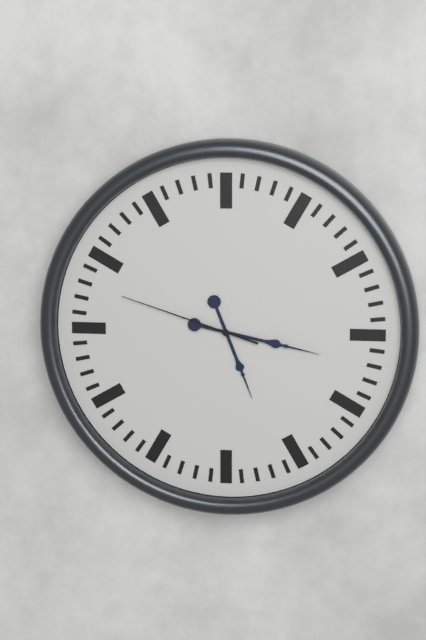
5:17:48
